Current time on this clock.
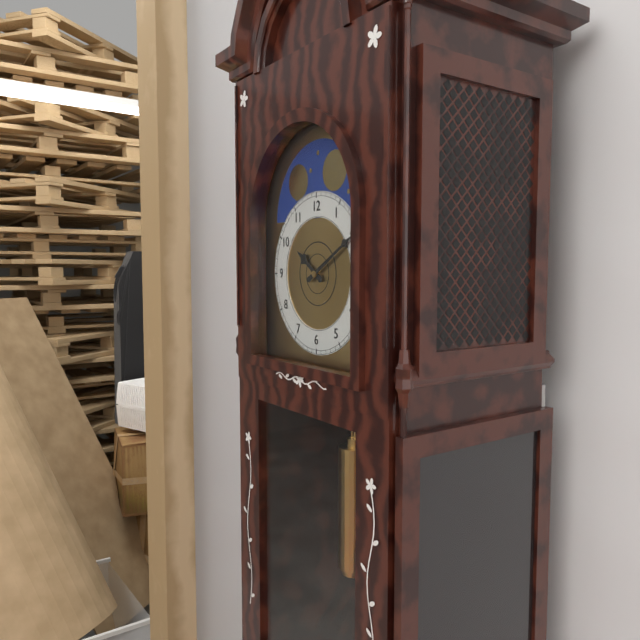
10:10
